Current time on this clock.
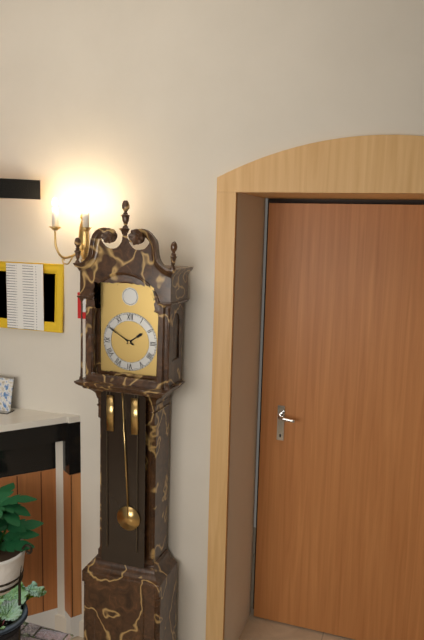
1:50
